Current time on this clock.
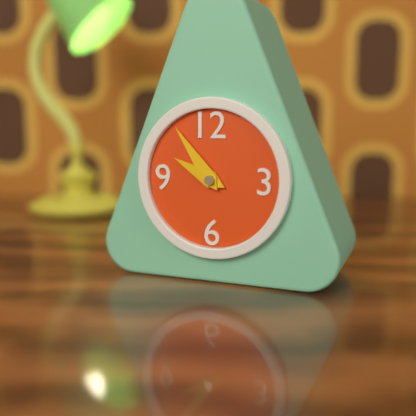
9:54
